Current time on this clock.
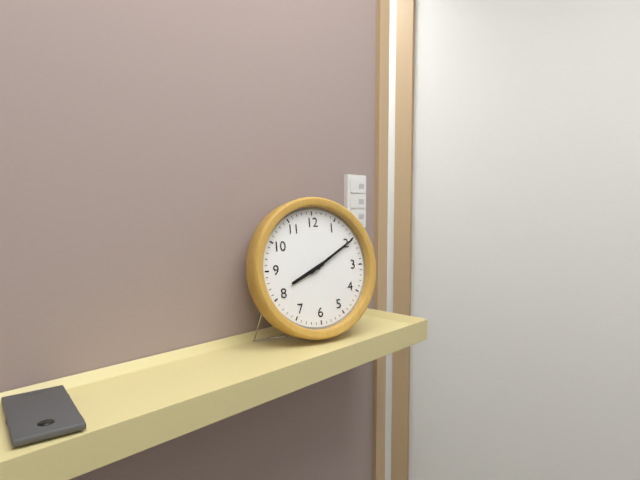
8:10
